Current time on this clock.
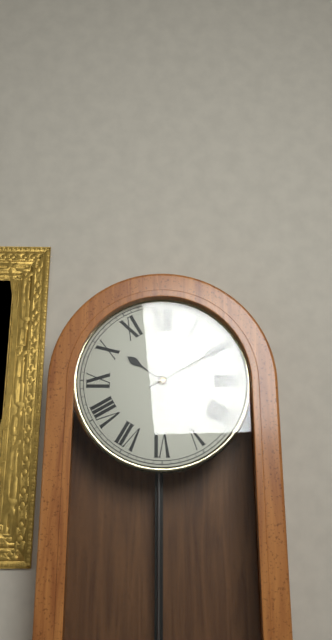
10:10
